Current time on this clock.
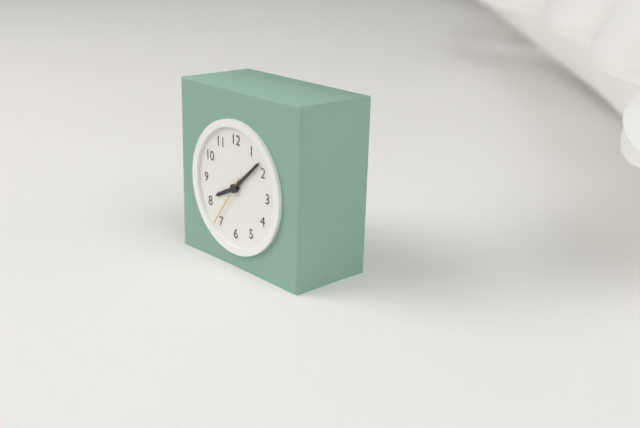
8:08
